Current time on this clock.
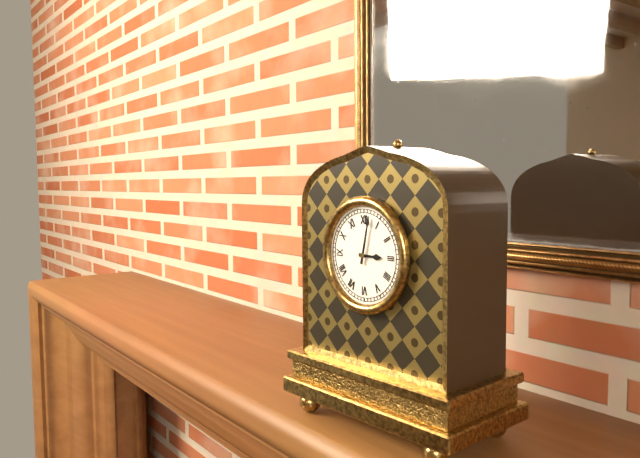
3:02
